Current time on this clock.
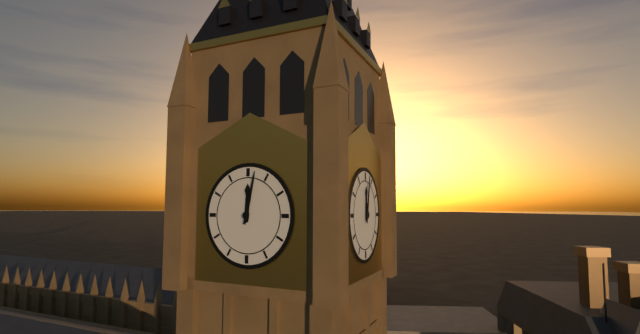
12:02
